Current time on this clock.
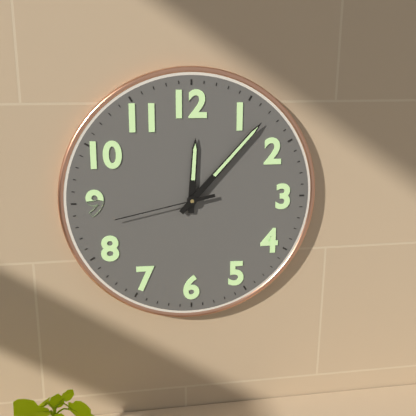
12:07:43
